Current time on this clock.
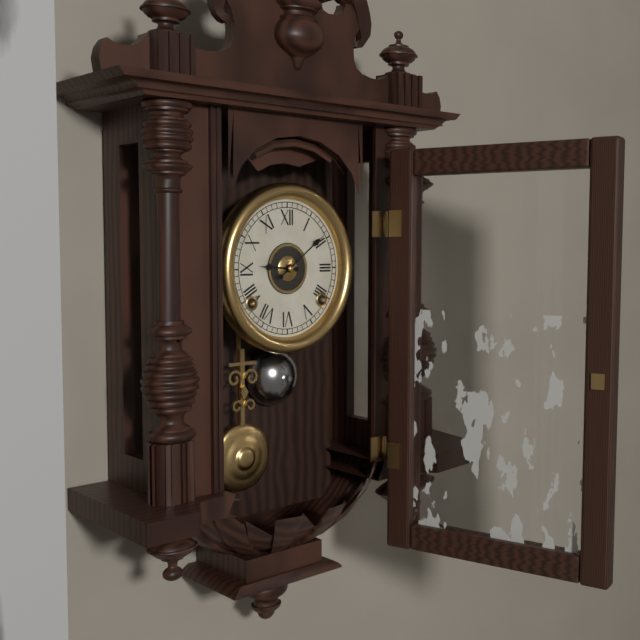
9:09
